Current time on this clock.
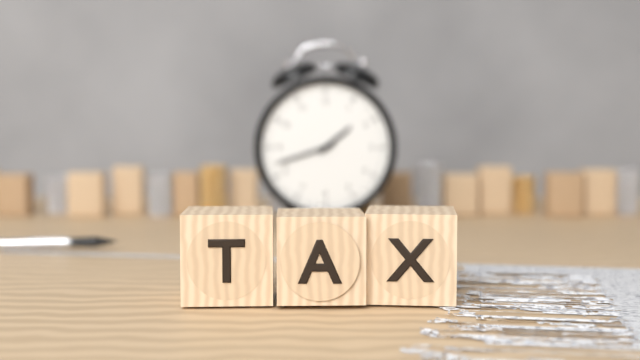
1:42
